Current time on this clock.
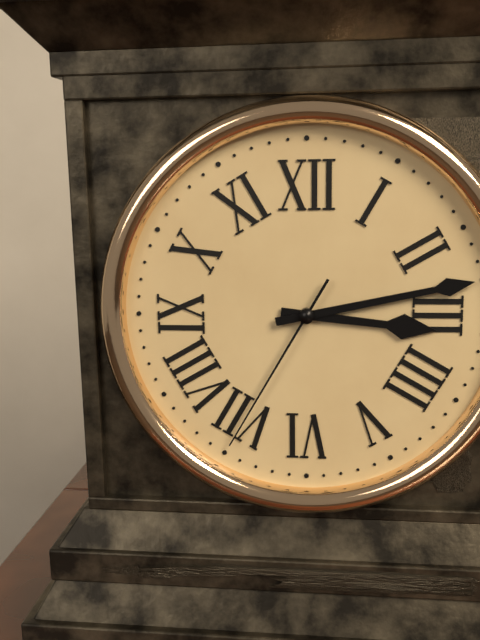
3:13:35
